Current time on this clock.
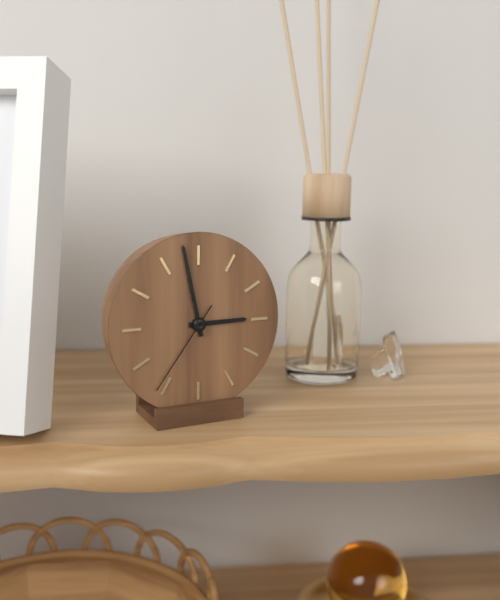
2:58:36
